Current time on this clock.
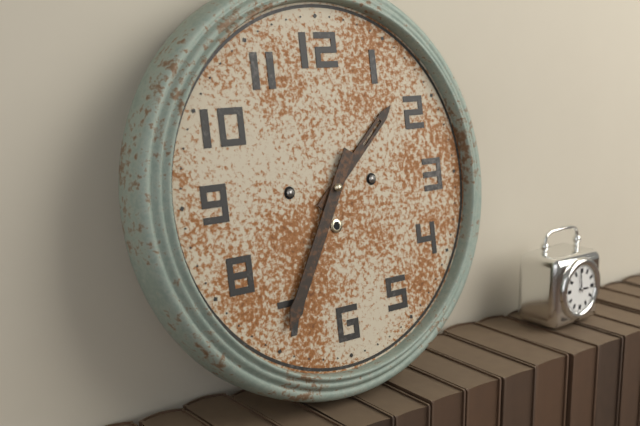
1:35
